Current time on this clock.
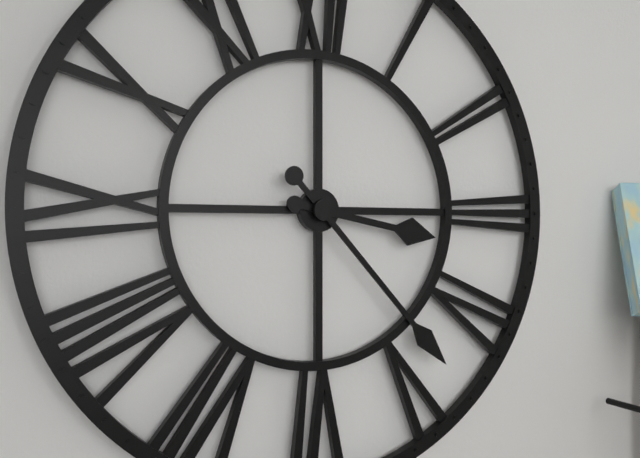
3:23
